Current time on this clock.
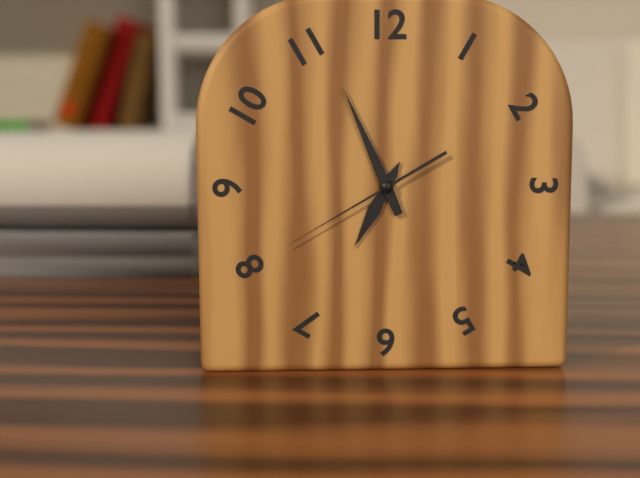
6:56:40
